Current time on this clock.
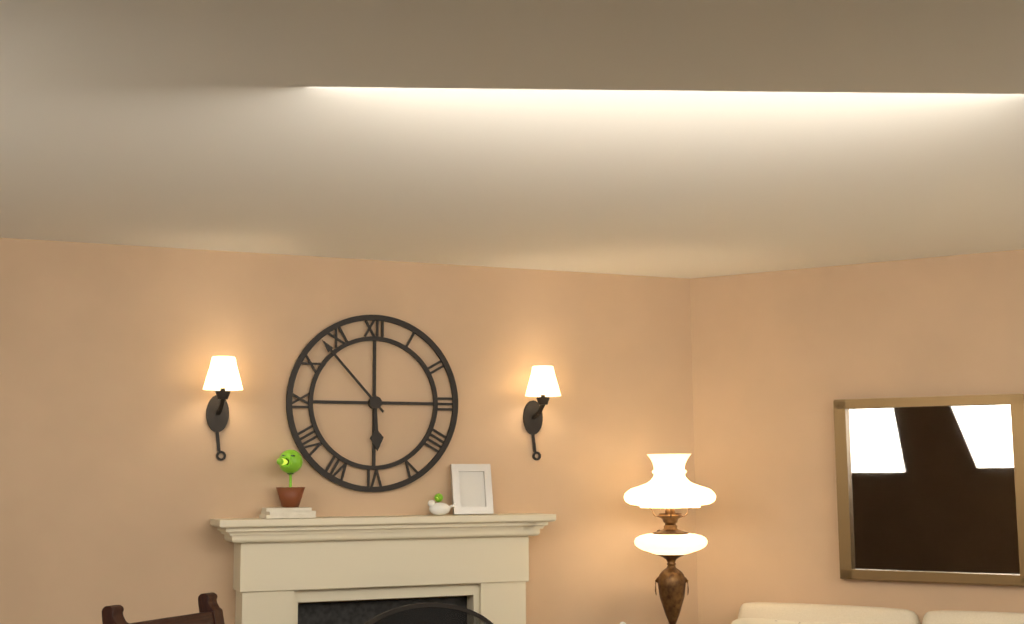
5:53
